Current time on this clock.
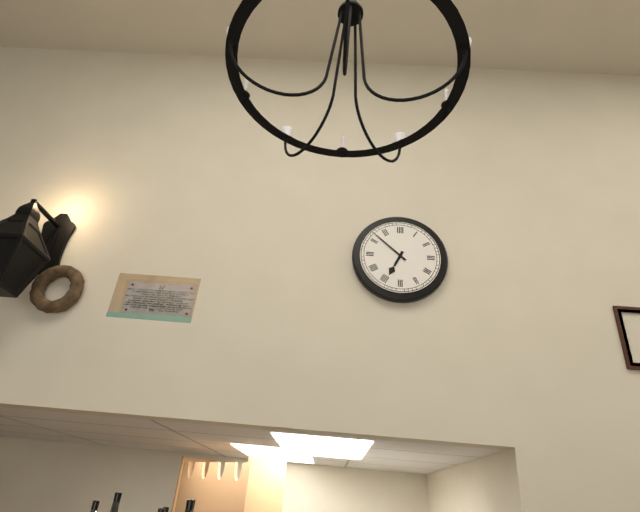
6:52
